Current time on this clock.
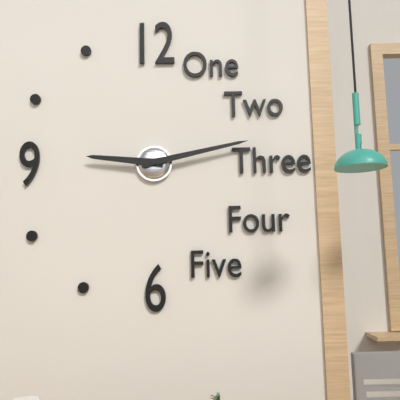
9:13
